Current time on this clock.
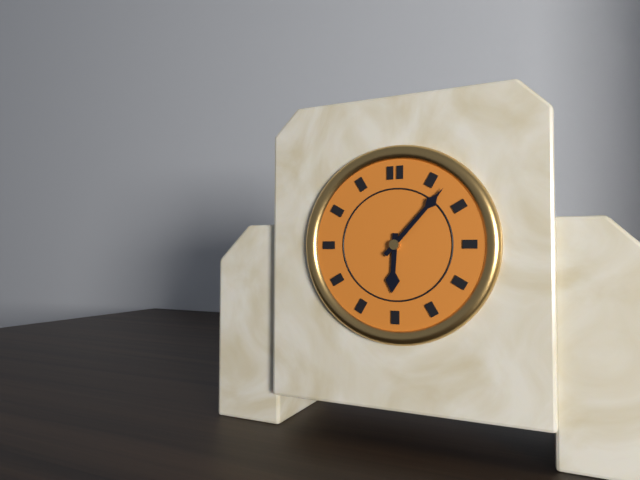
6:07
